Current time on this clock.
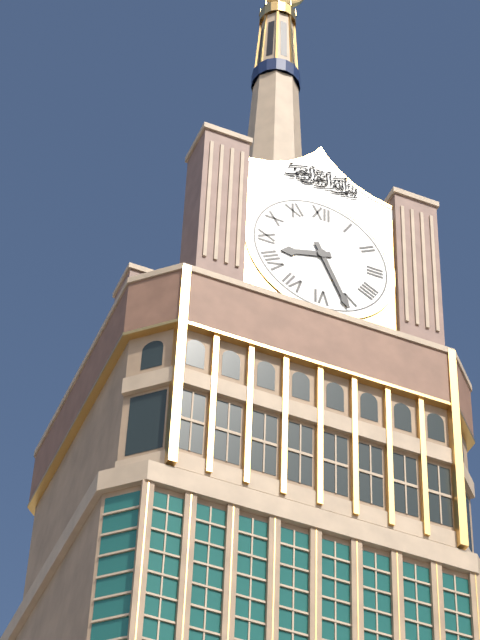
8:26
